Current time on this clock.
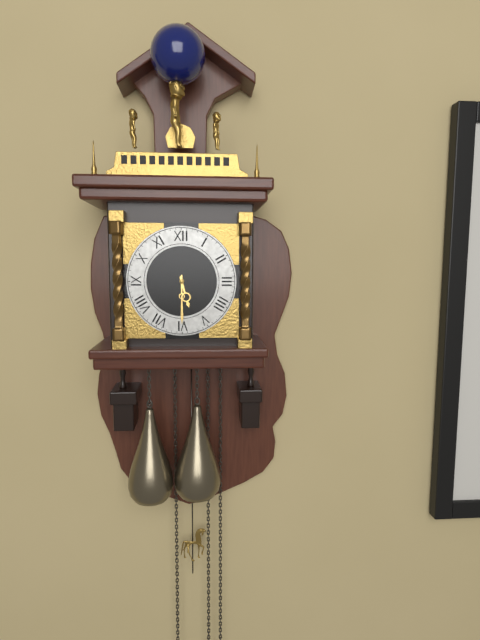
5:30
